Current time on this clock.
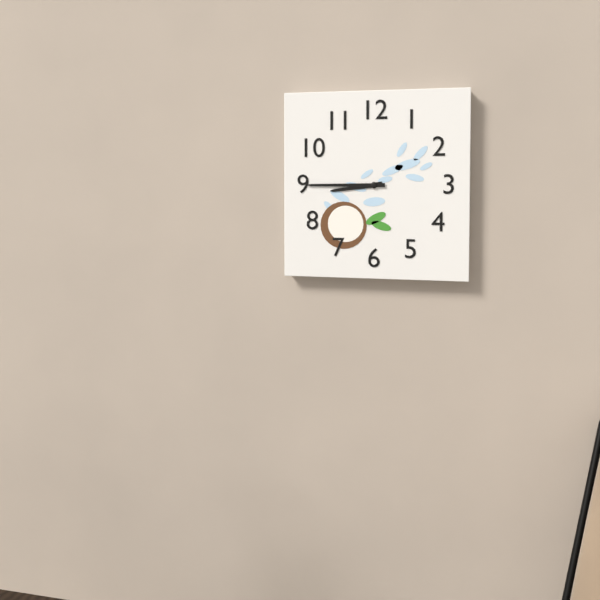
8:45
